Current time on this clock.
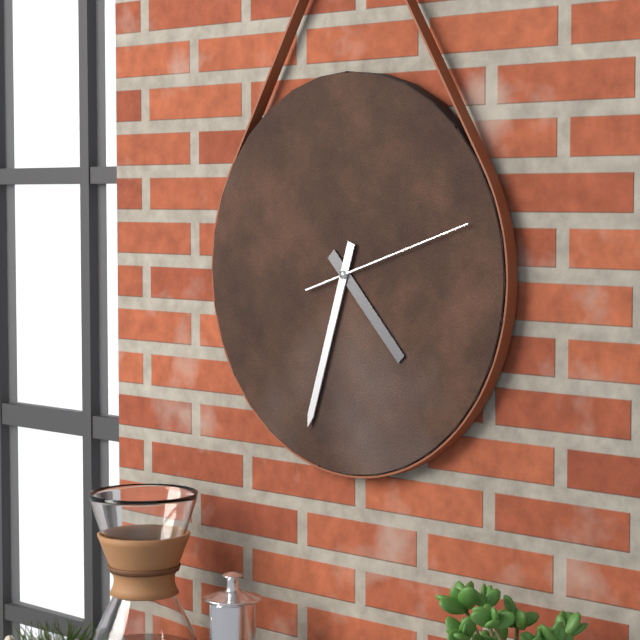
4:33:12
